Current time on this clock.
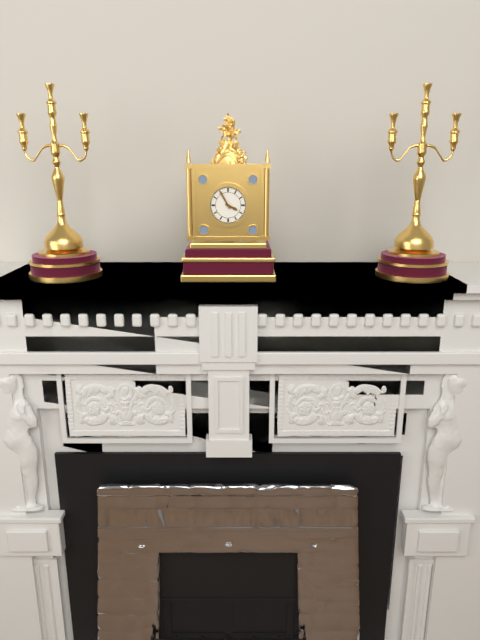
3:55
